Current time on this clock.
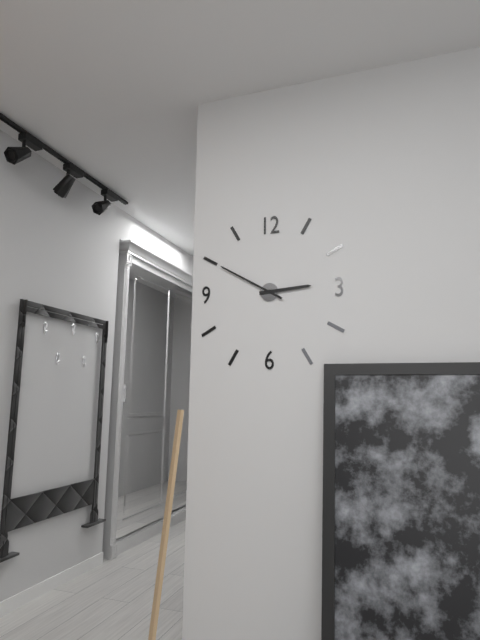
2:50
